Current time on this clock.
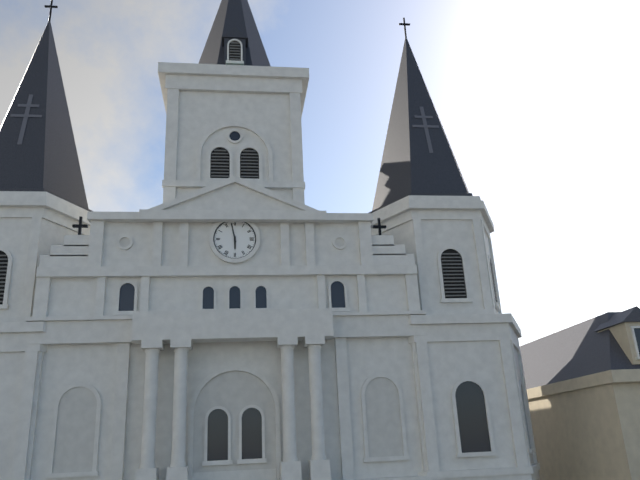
5:58
